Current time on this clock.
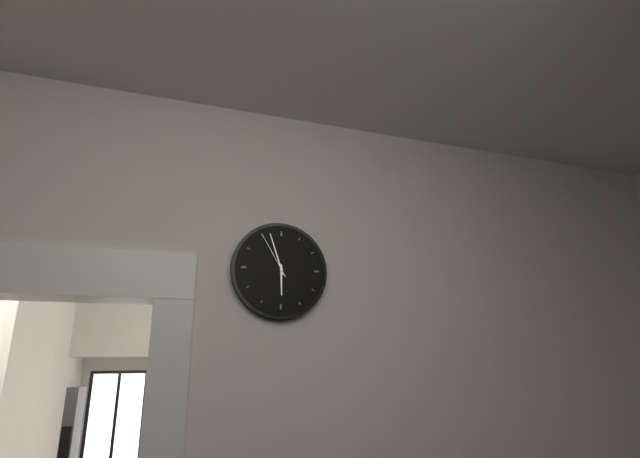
5:57:55
